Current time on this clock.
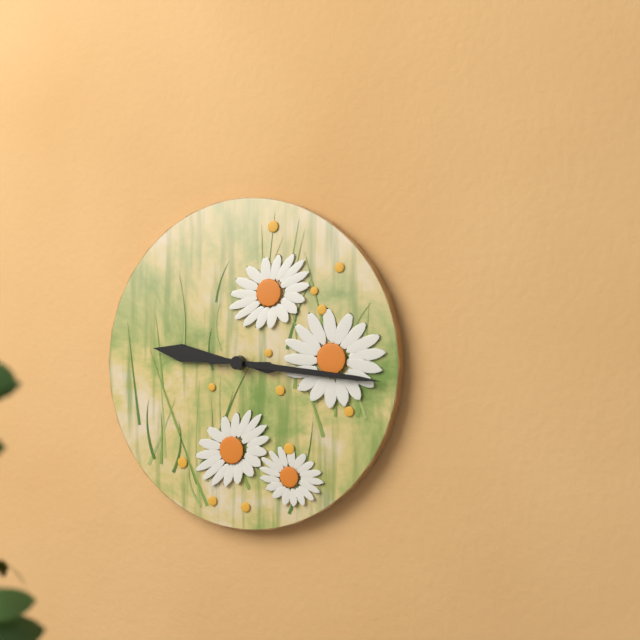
9:16
